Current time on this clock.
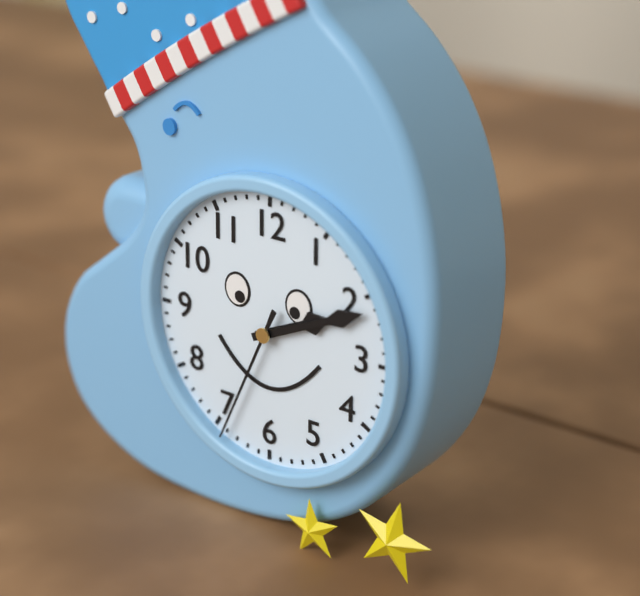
2:11:34
